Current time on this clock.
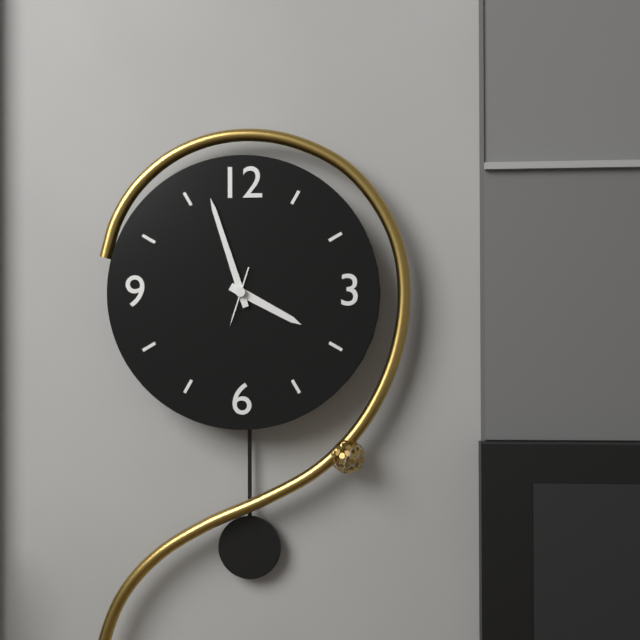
3:57
